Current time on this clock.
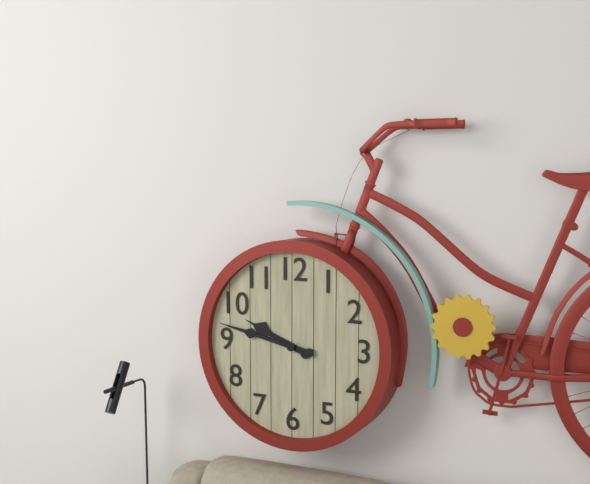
9:47
